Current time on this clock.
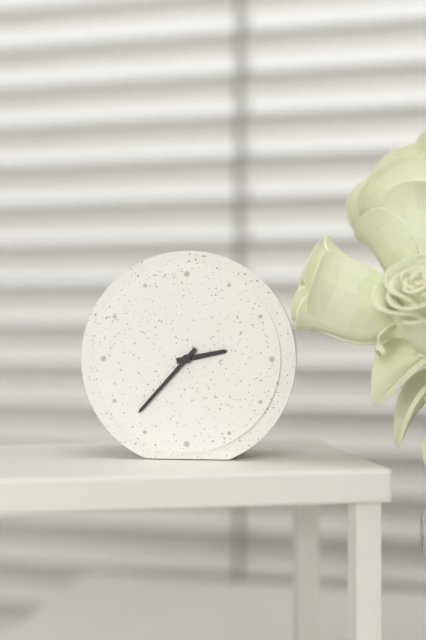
2:37
